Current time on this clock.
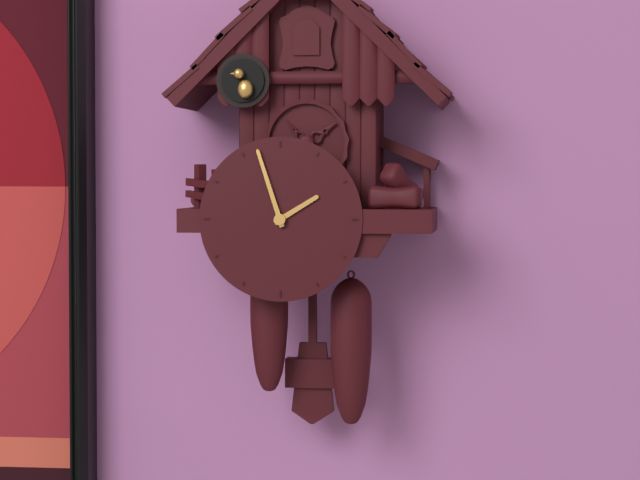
1:57
